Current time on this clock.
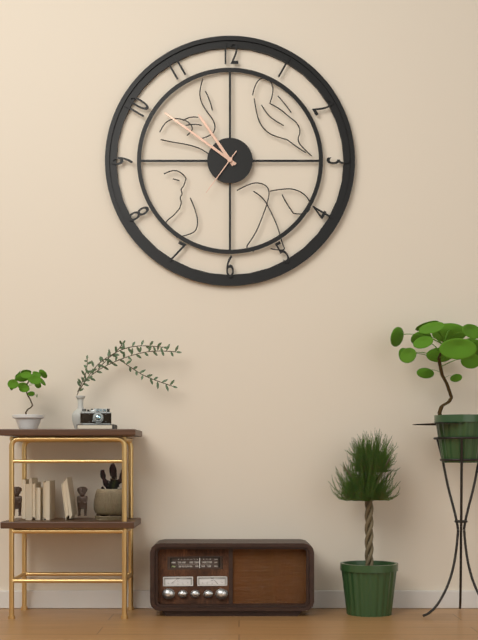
10:51
